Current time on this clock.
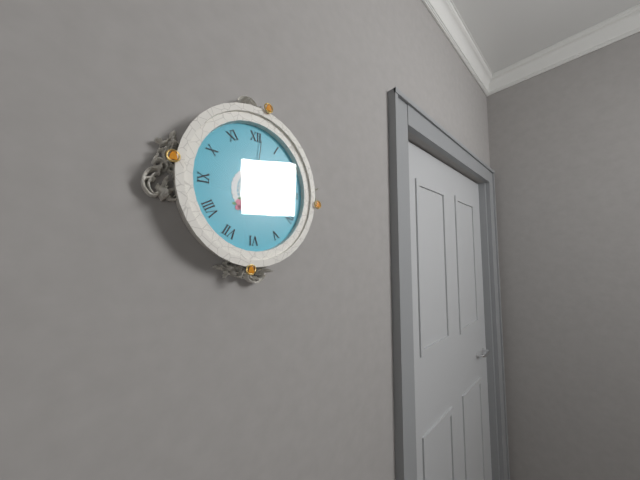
11:10:01
